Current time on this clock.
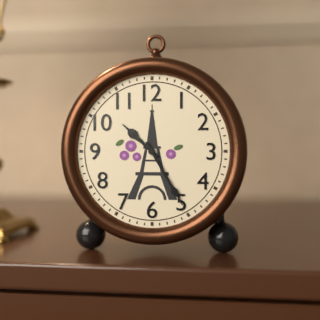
10:25
